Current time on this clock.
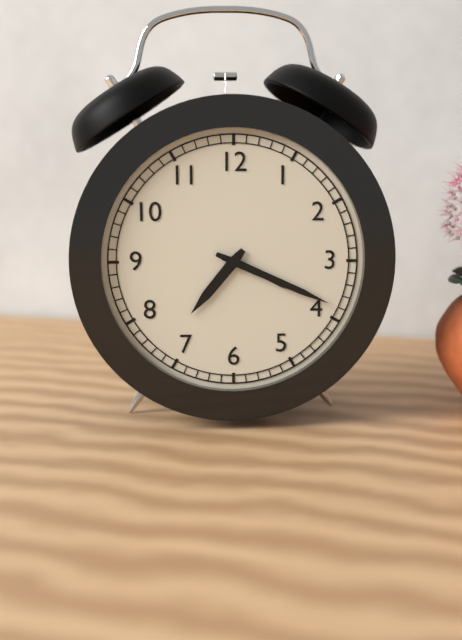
7:19
